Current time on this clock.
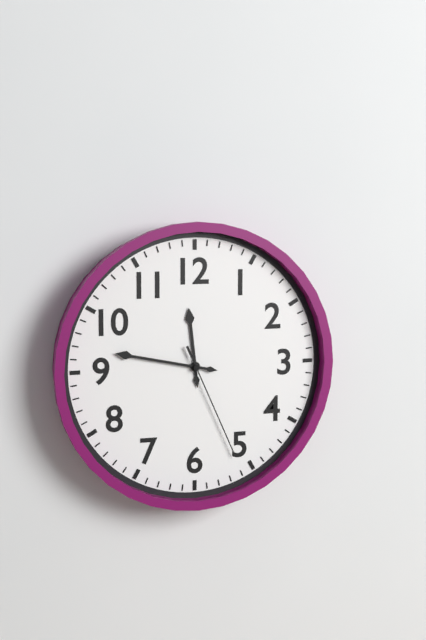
11:47:26
